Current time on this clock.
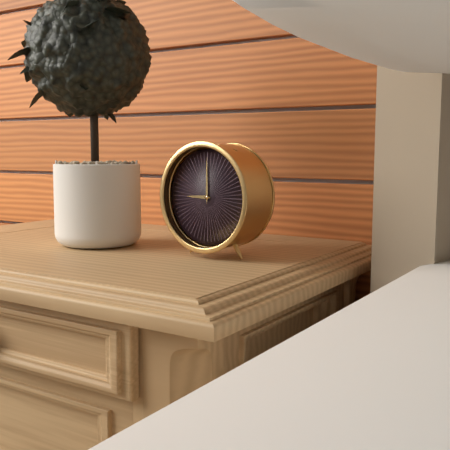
9:00
